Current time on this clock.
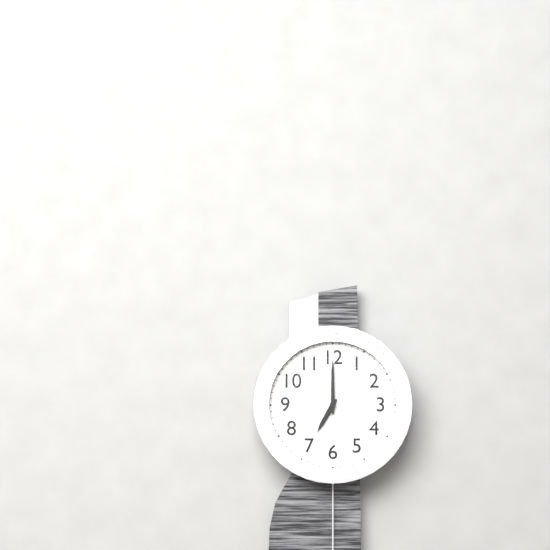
7:00
